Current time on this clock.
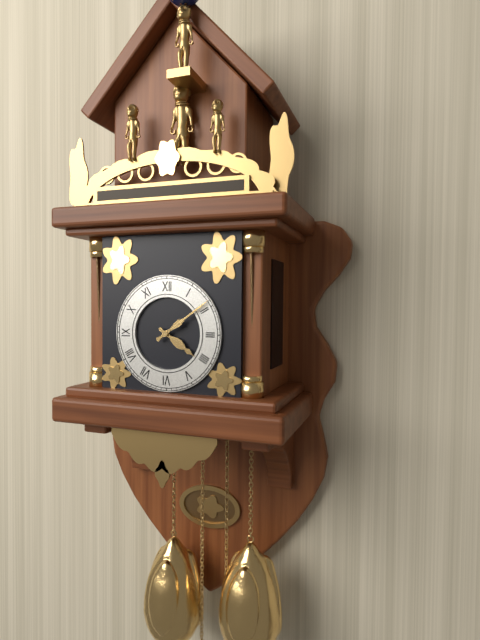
4:09
